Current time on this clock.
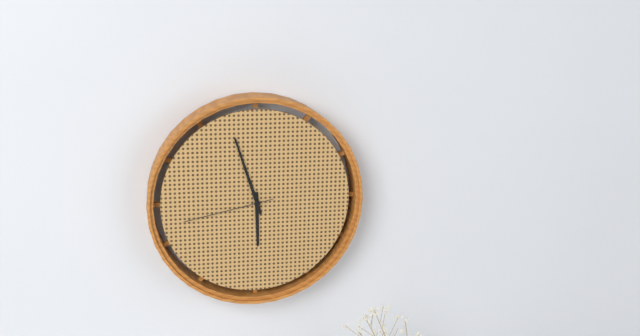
5:57:43
